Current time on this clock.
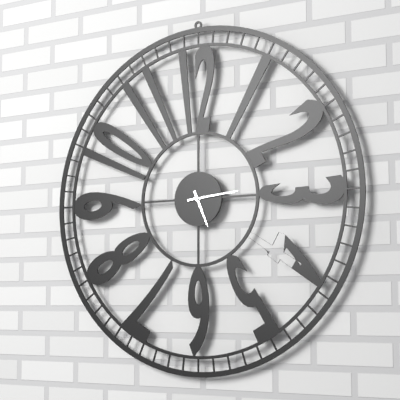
5:14
